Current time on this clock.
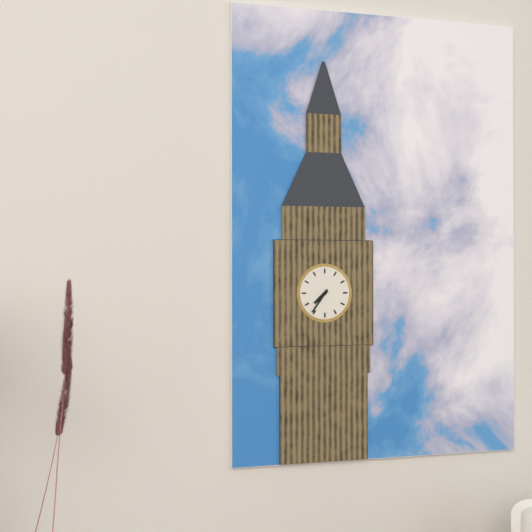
7:36
